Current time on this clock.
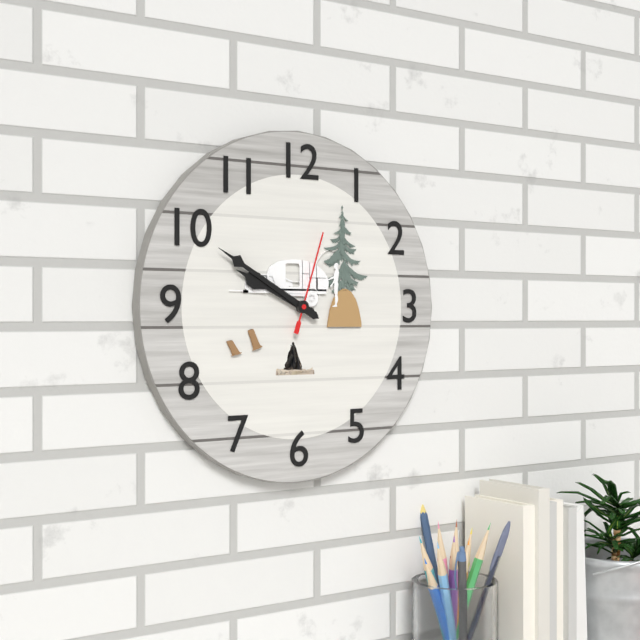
9:50:03
